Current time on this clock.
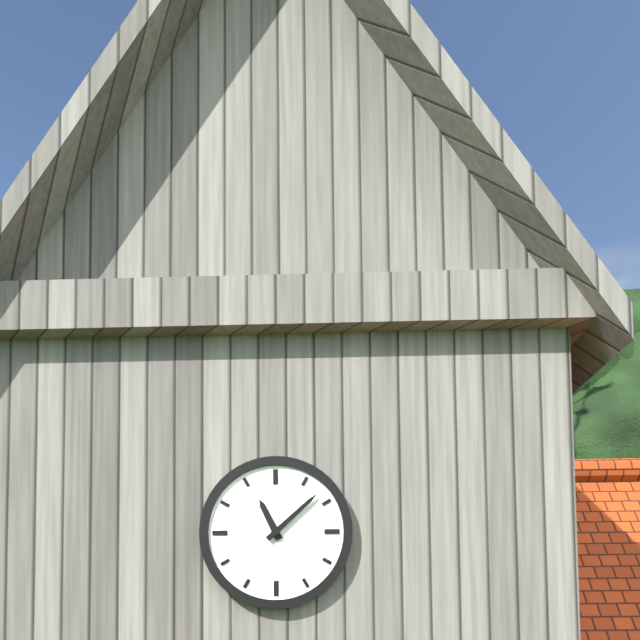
11:08
